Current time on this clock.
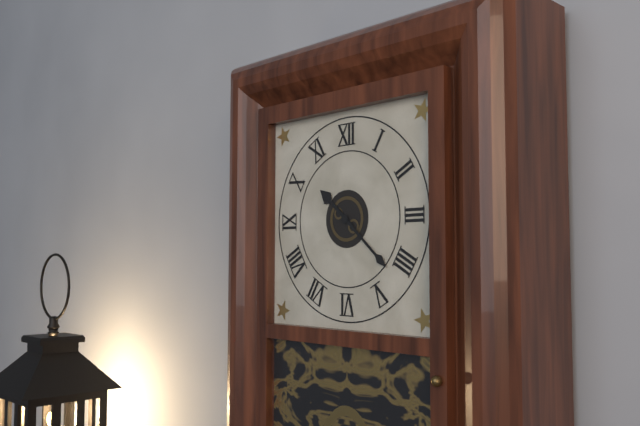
10:22
